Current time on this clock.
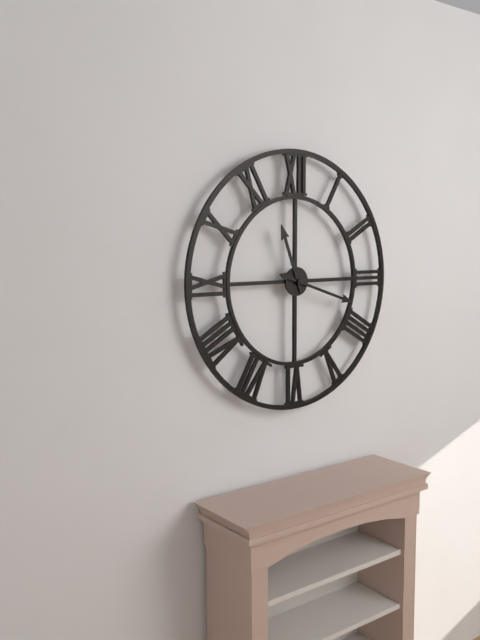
11:18
